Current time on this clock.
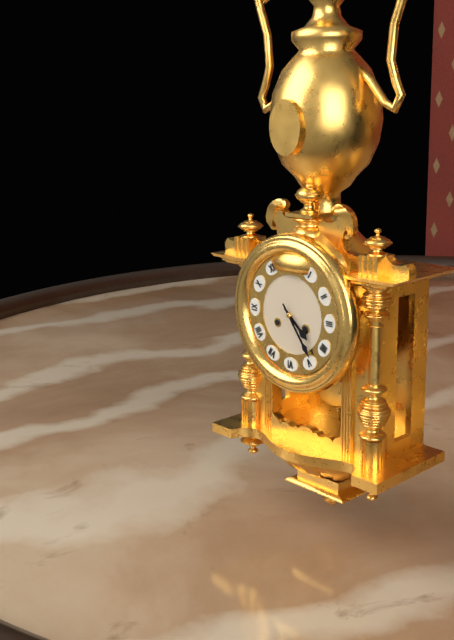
4:24
